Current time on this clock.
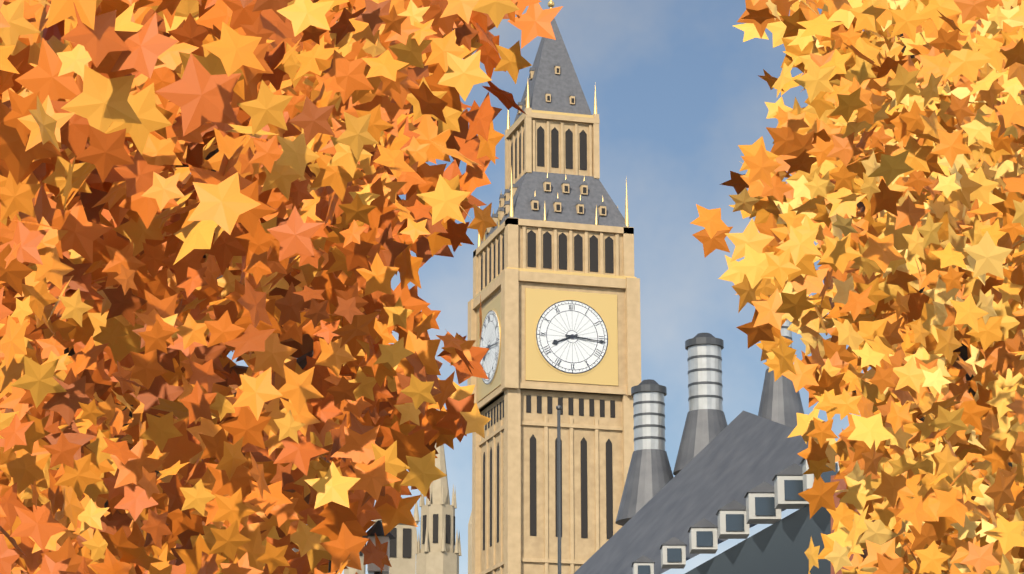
8:16
